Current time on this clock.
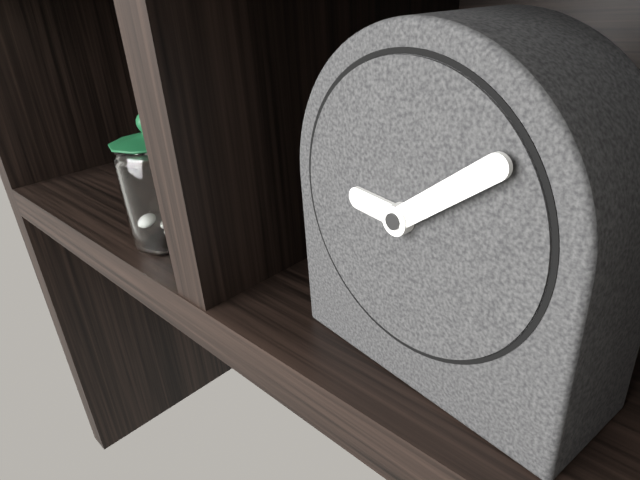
9:09
